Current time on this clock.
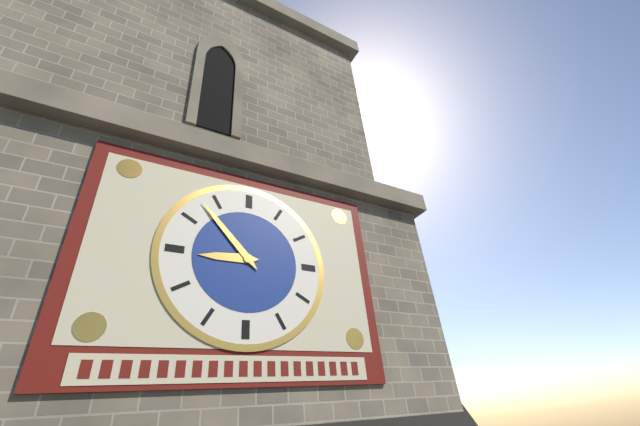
8:53
